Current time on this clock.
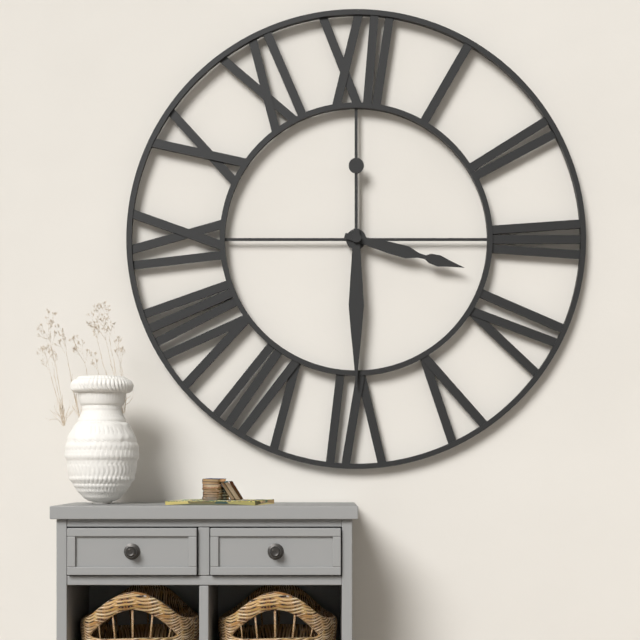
3:30
